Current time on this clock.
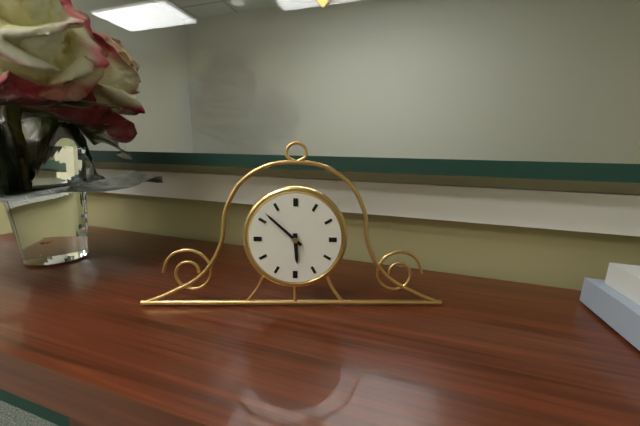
5:52
